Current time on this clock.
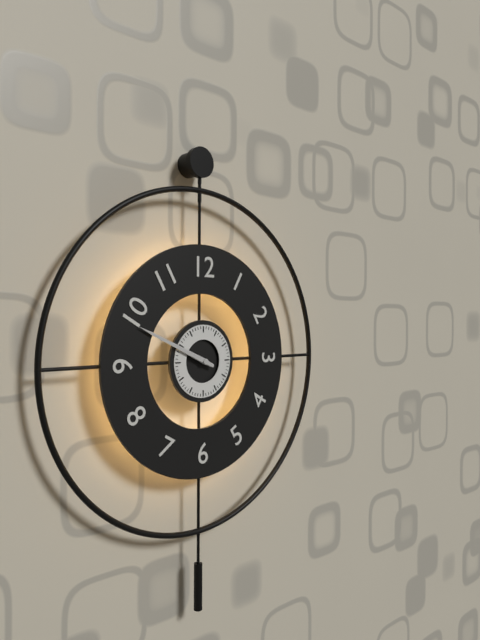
9:49
